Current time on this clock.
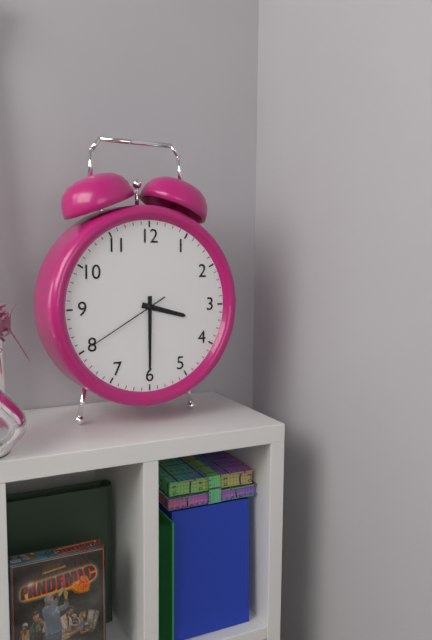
3:30:40
